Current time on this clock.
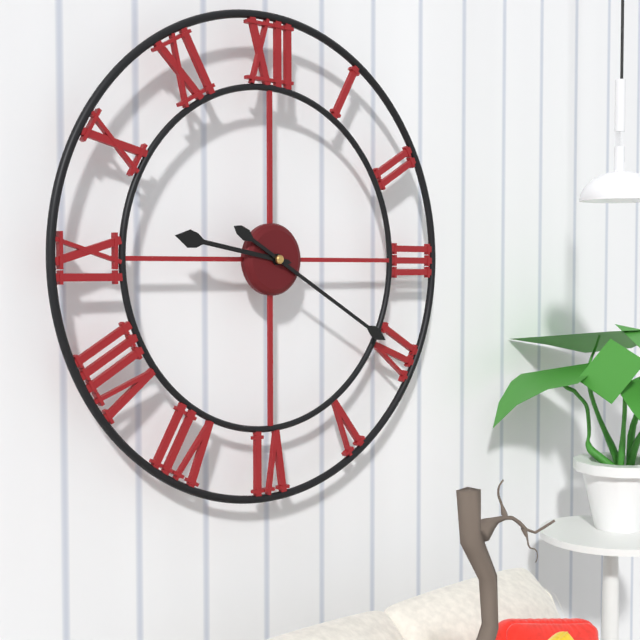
9:20
